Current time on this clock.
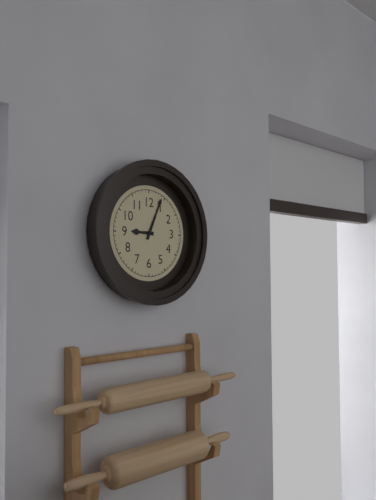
9:04
